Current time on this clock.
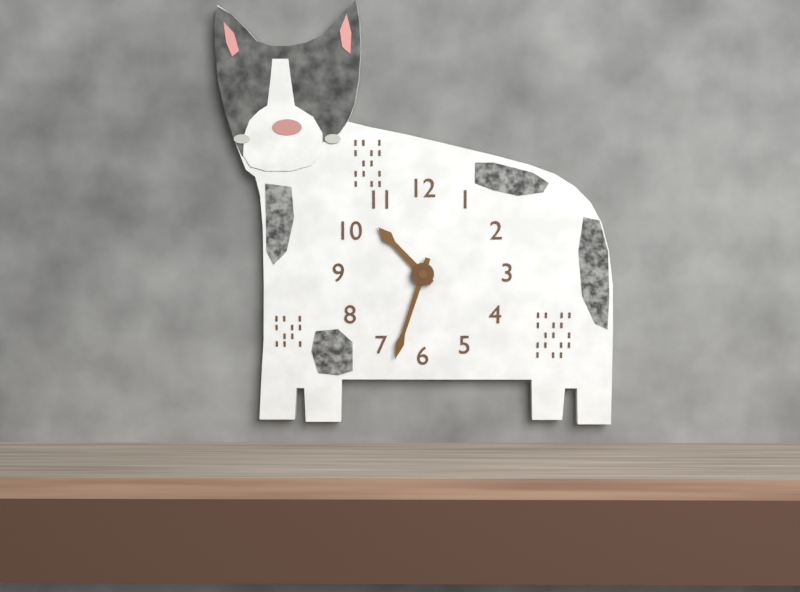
10:33
